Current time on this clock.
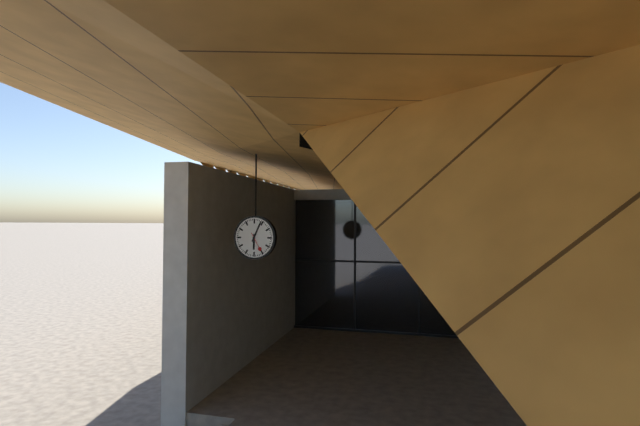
6:04
